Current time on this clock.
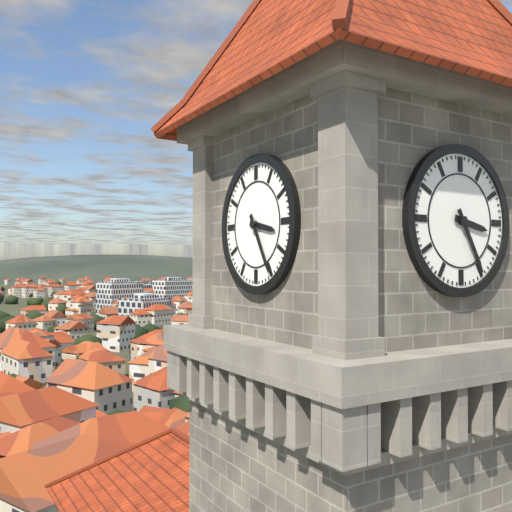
3:25
